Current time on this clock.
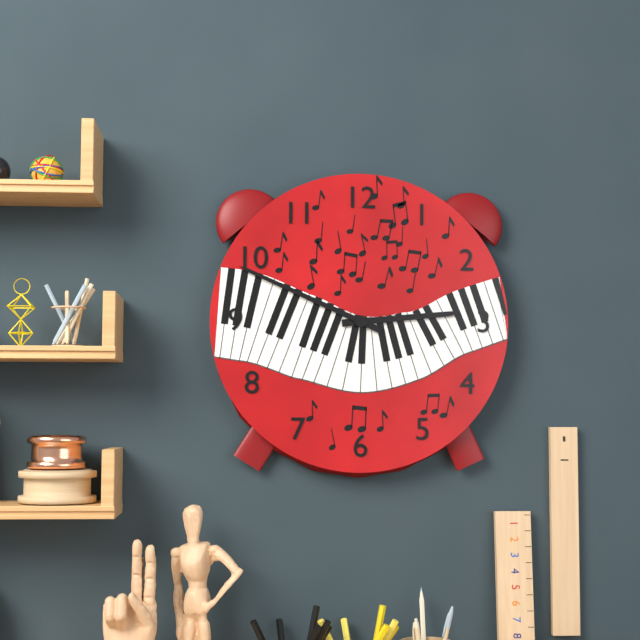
2:49
